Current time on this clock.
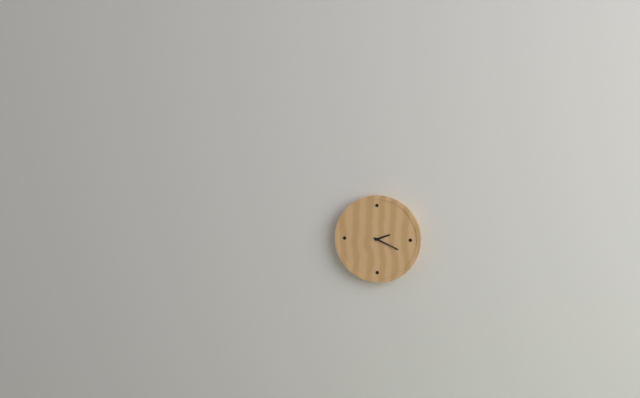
2:19
